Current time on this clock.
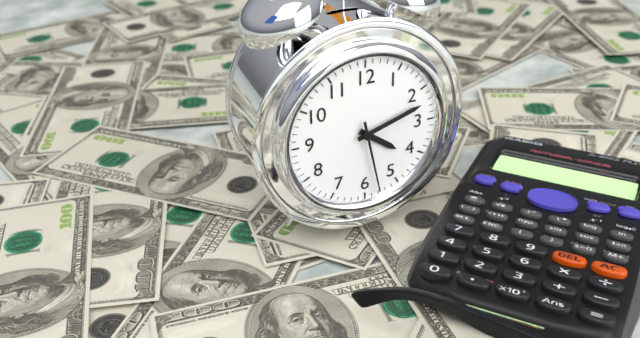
4:12:28
